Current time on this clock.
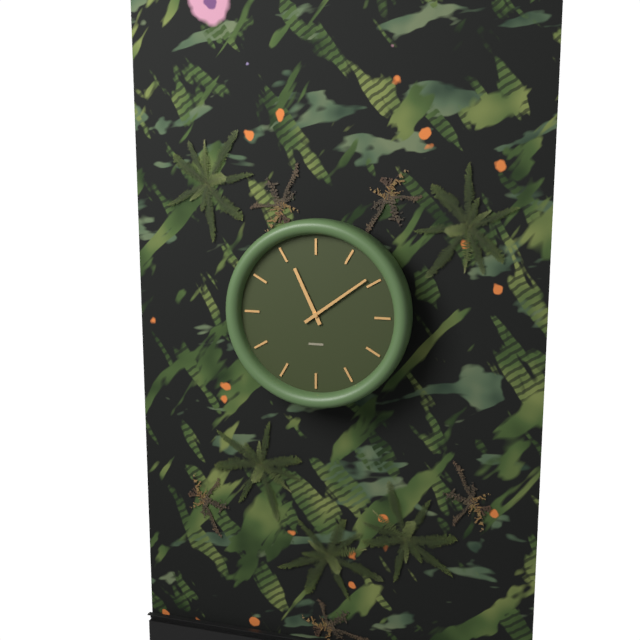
11:09
